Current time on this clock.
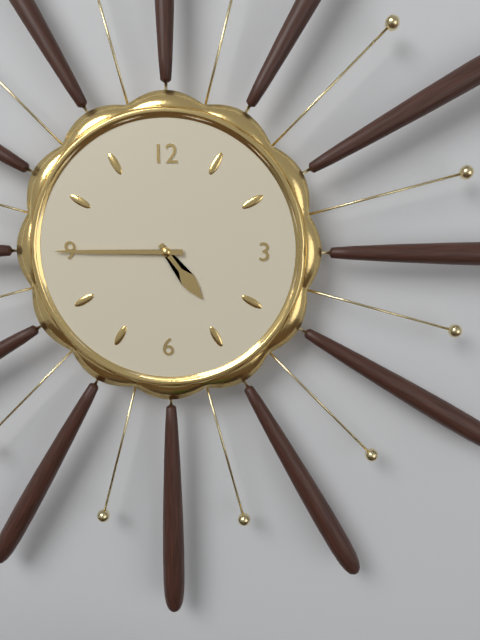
4:45
